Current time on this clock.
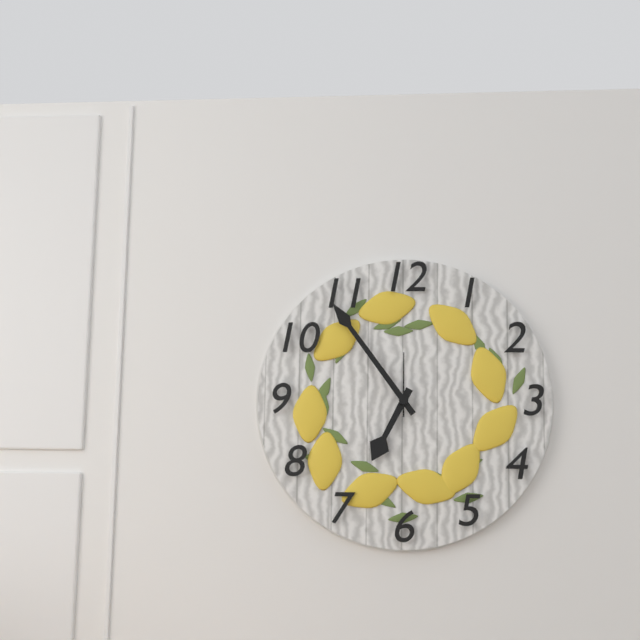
6:54:00
